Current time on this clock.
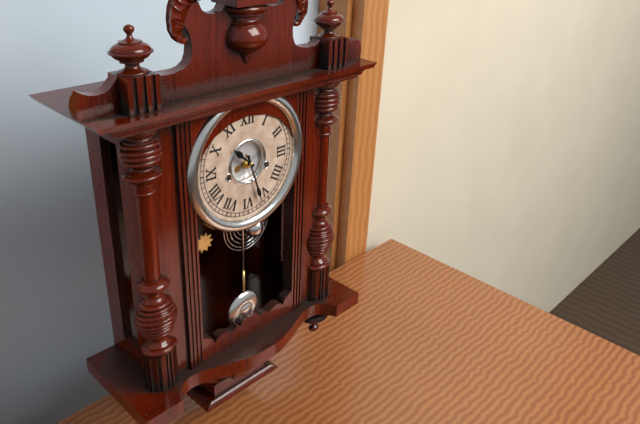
10:27
